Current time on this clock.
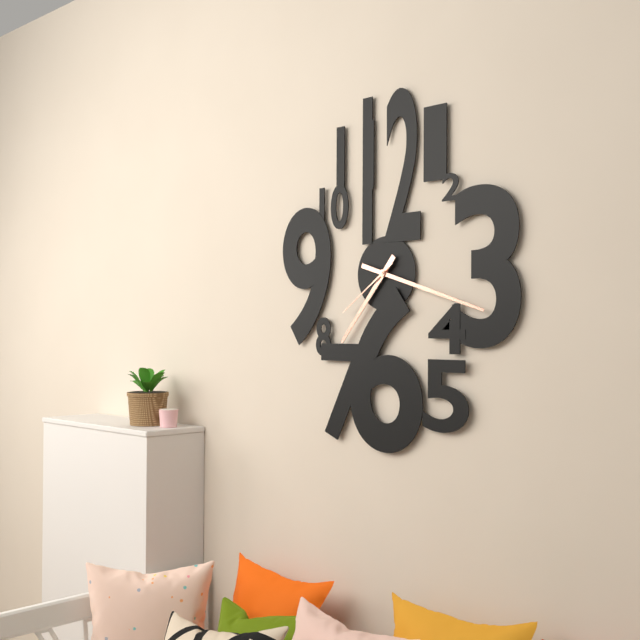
7:18:39
